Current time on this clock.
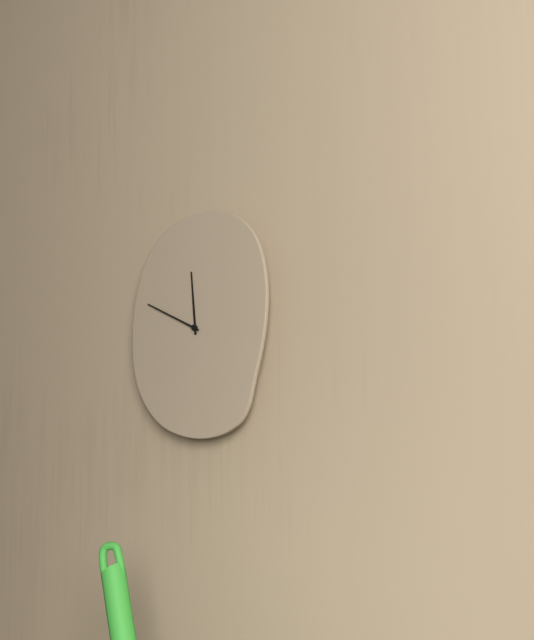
11:49
